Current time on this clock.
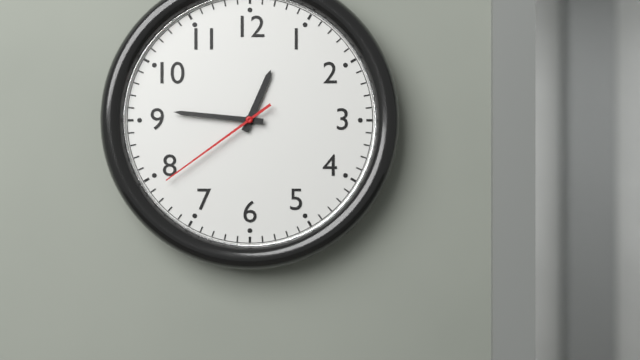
12:46:39
